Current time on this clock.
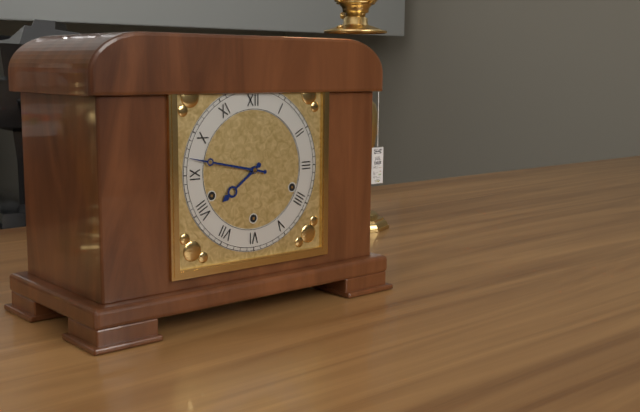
7:47
